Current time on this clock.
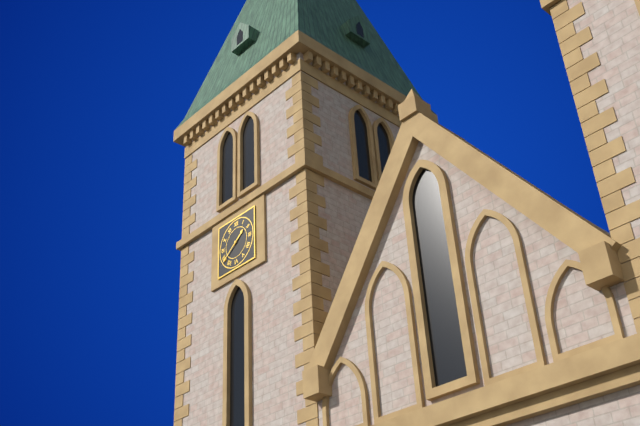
1:39
